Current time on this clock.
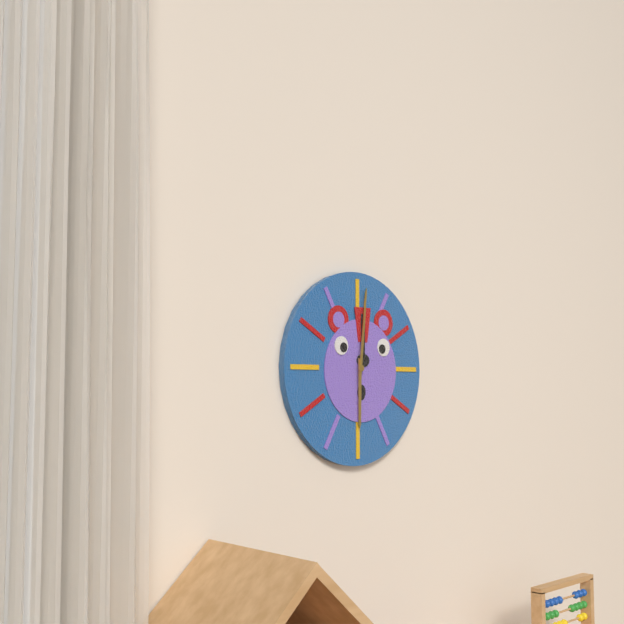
6:01
